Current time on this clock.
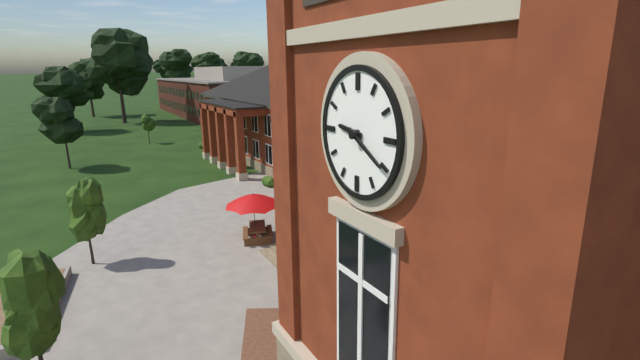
9:20
